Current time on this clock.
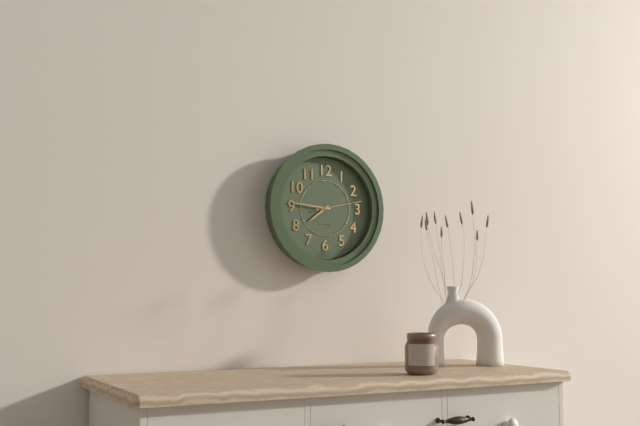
7:46
